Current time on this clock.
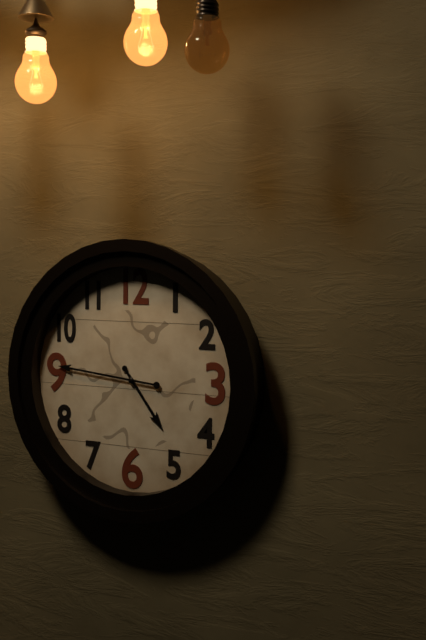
4:46
